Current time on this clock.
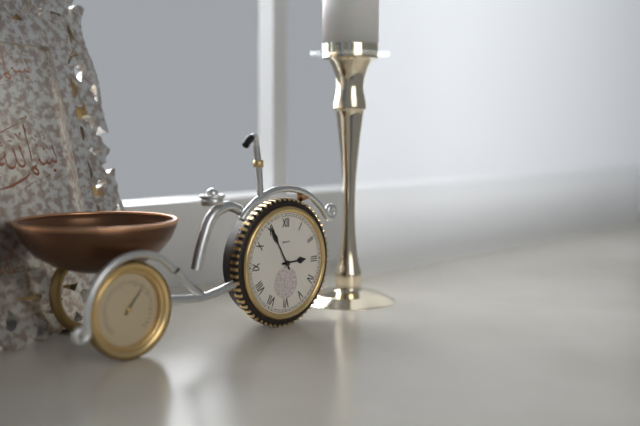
2:55
